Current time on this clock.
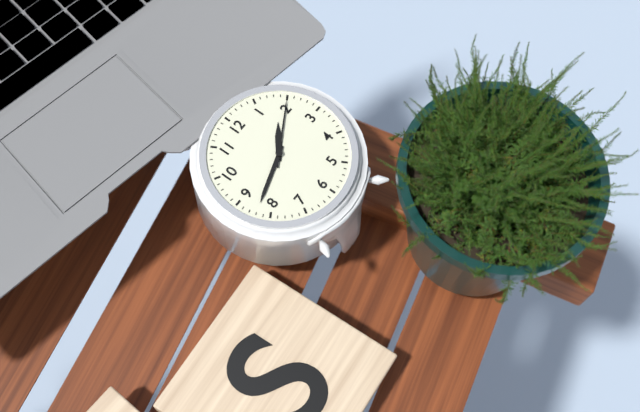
1:42:10
